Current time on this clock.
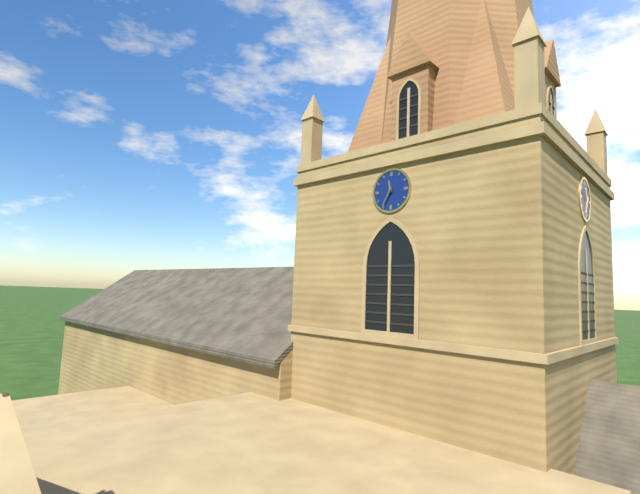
11:35
